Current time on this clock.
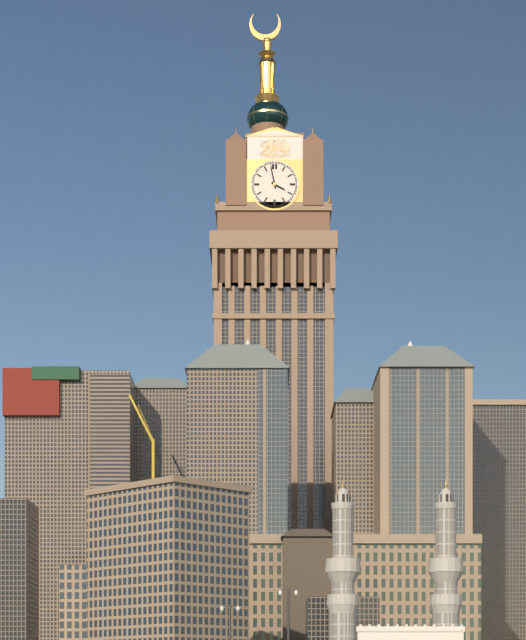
3:58
